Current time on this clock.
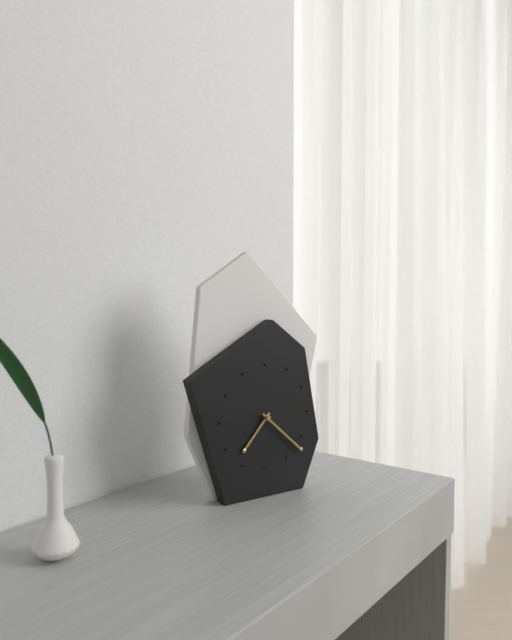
7:22
